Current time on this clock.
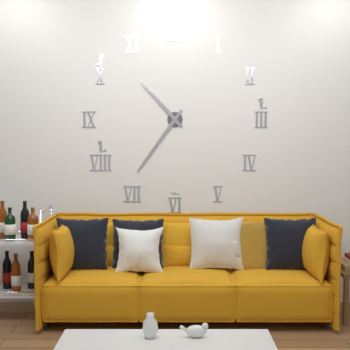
10:36
